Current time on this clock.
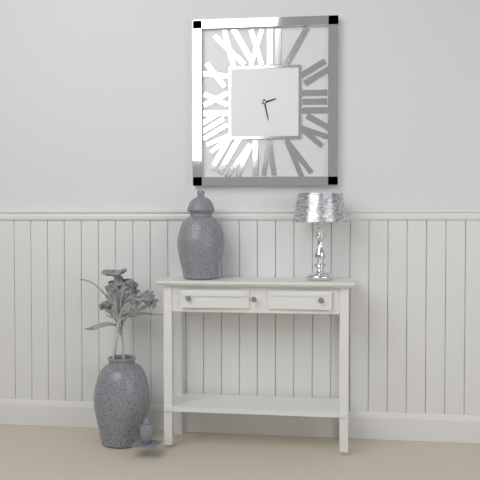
2:28
